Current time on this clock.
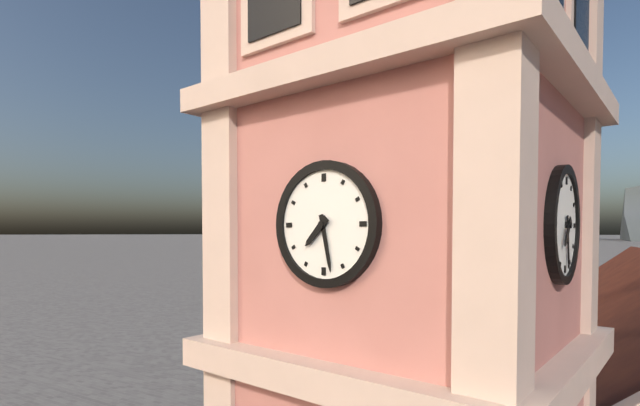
7:28
